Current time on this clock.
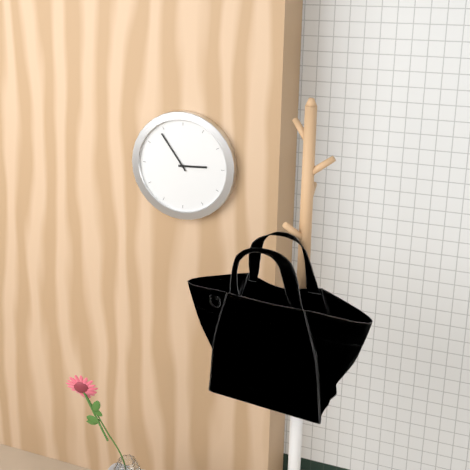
2:54
